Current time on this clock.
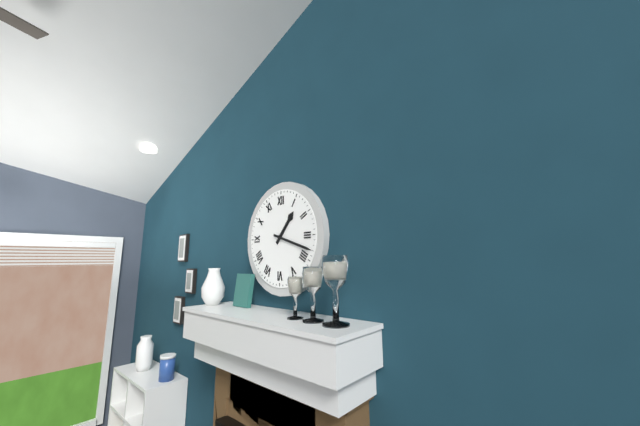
1:18
